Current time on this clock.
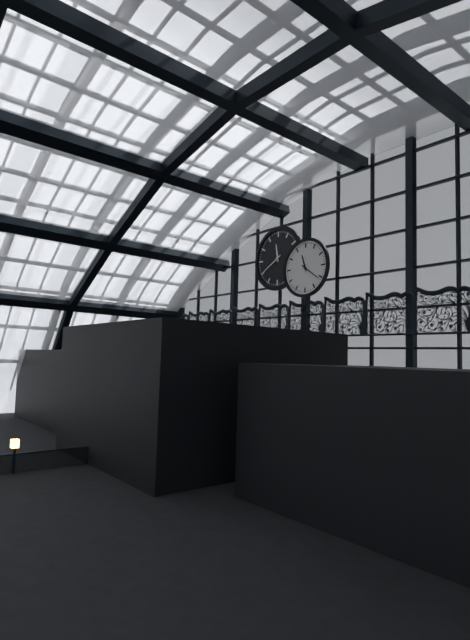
11:21
